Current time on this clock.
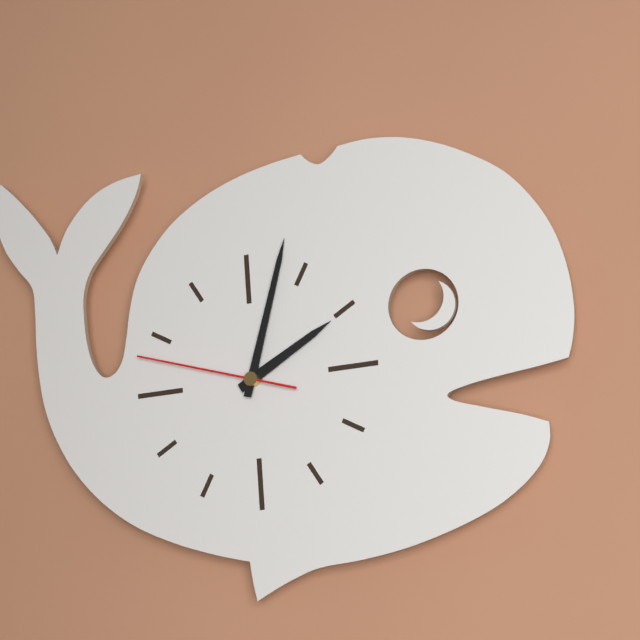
2:03:48
